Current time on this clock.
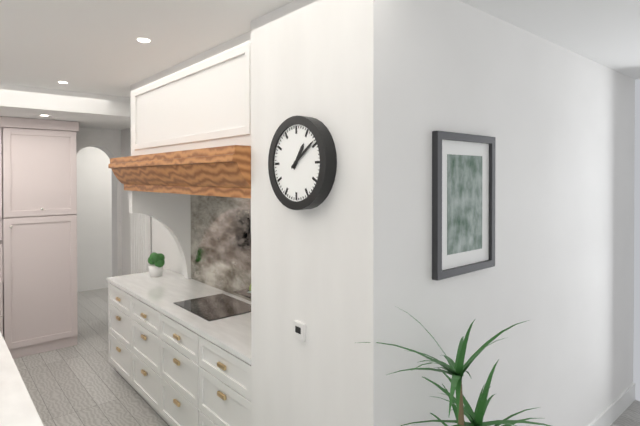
1:09
